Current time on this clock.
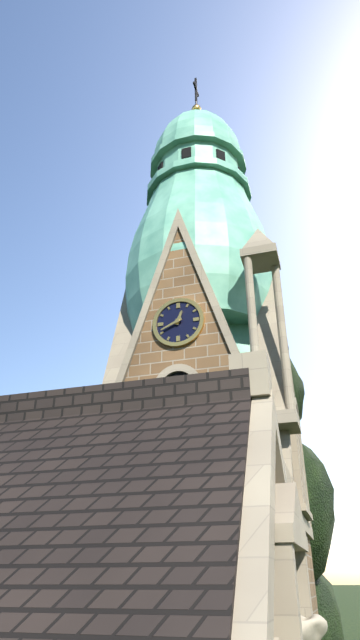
12:41
